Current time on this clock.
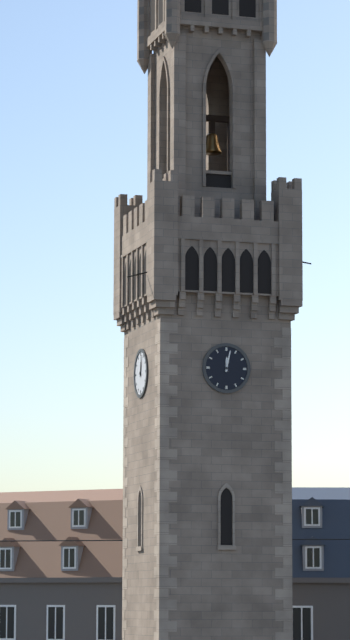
12:02
